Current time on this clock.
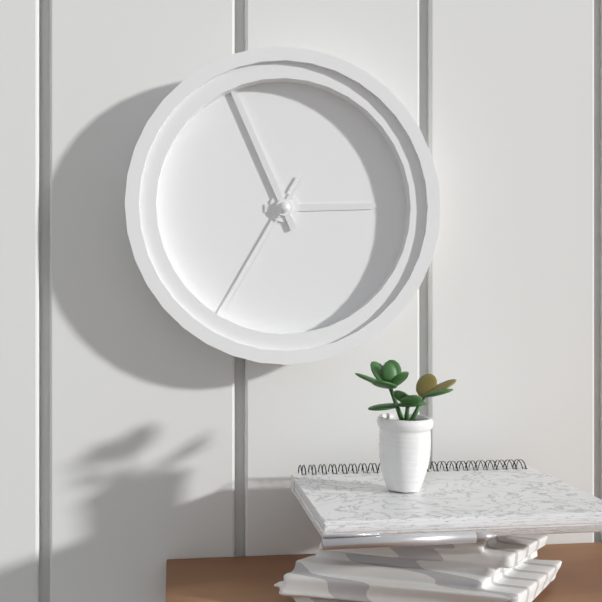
2:56:35
